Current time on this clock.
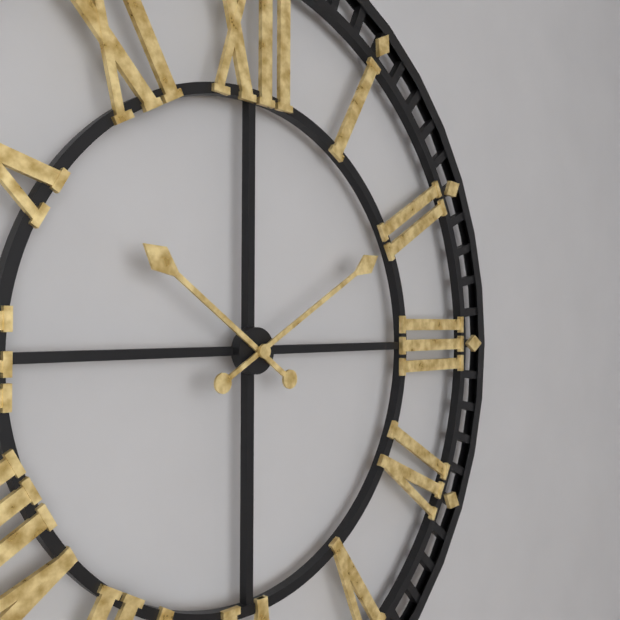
10:10
